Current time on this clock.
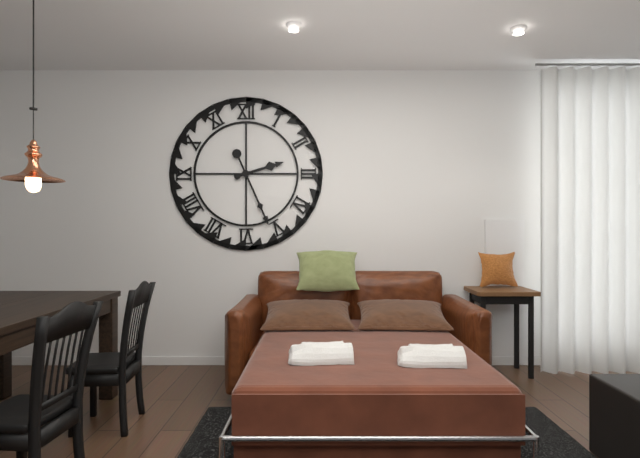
2:26
